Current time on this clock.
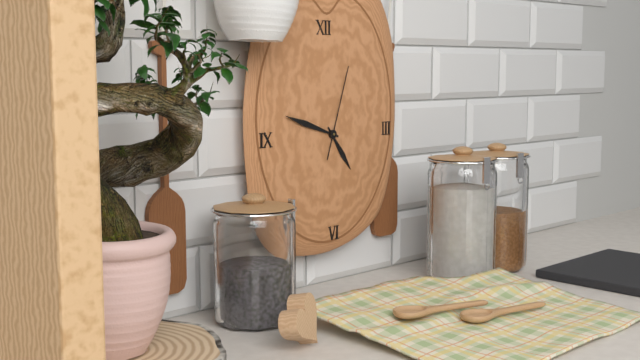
4:48:03
